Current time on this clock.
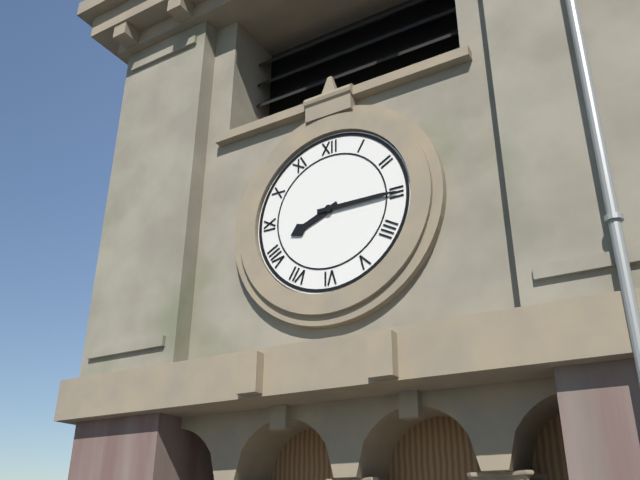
8:15
